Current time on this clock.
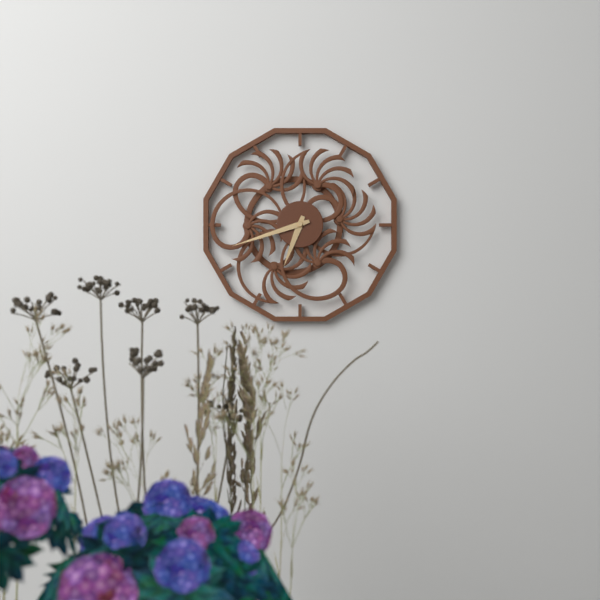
6:42
